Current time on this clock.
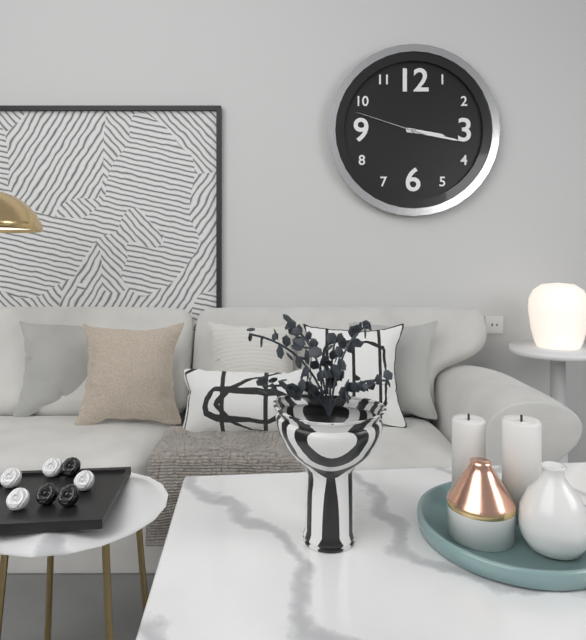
3:17:48
